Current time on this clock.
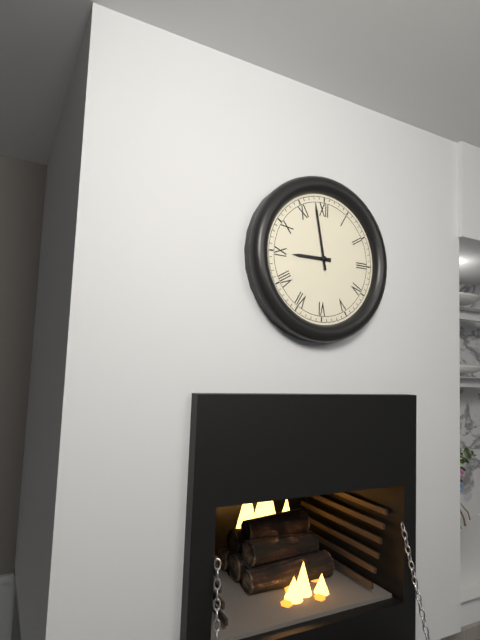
8:58
